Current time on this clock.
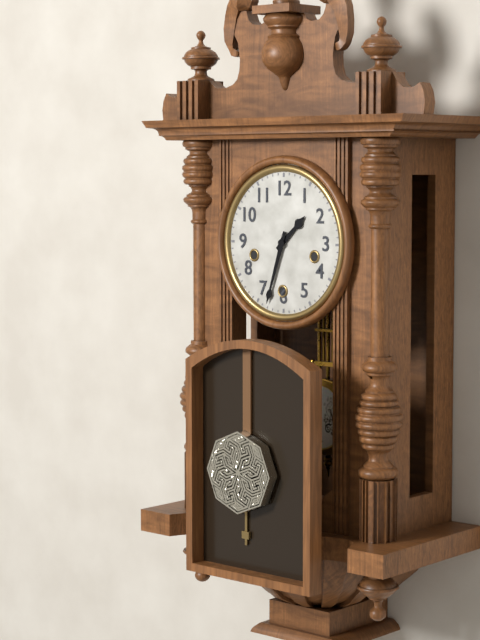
1:33
